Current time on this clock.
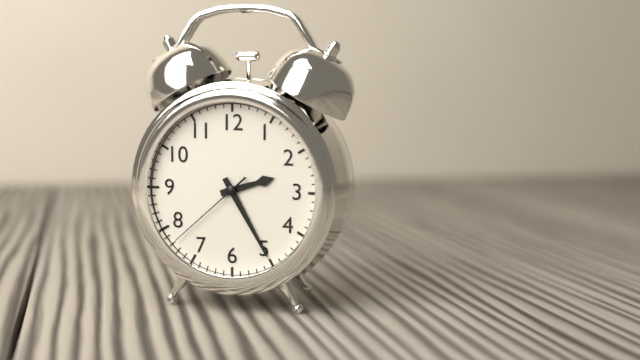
2:25:38
